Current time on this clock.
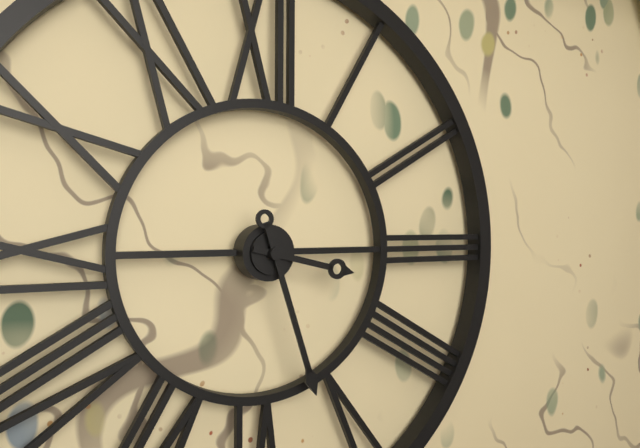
3:27
